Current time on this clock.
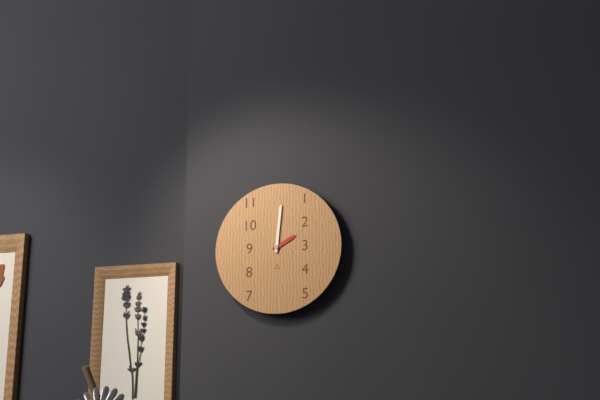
2:01
